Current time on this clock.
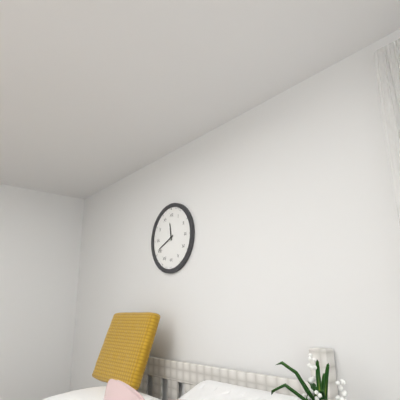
11:41
